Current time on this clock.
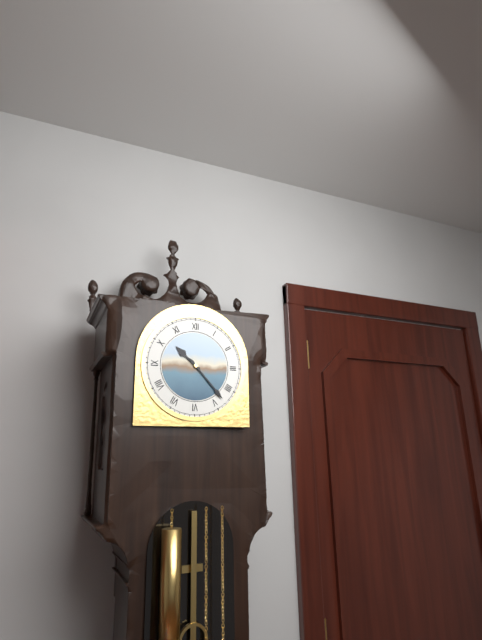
10:23
